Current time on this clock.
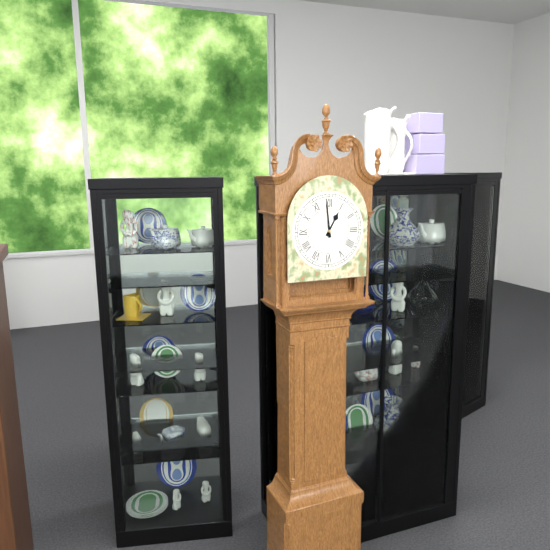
12:59
